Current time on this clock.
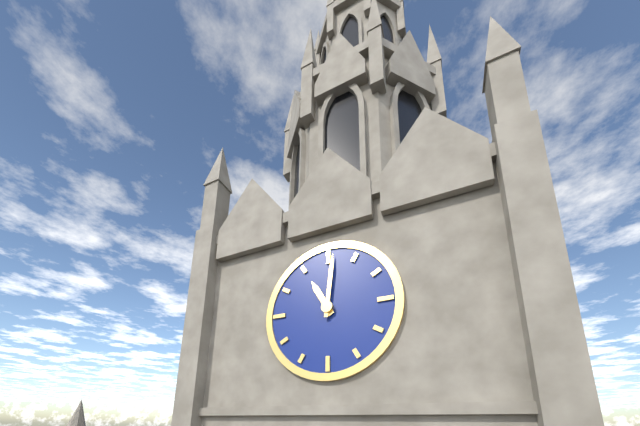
11:01
